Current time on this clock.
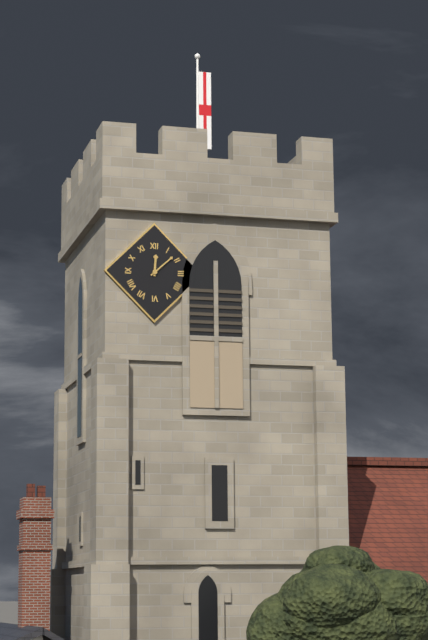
12:08
